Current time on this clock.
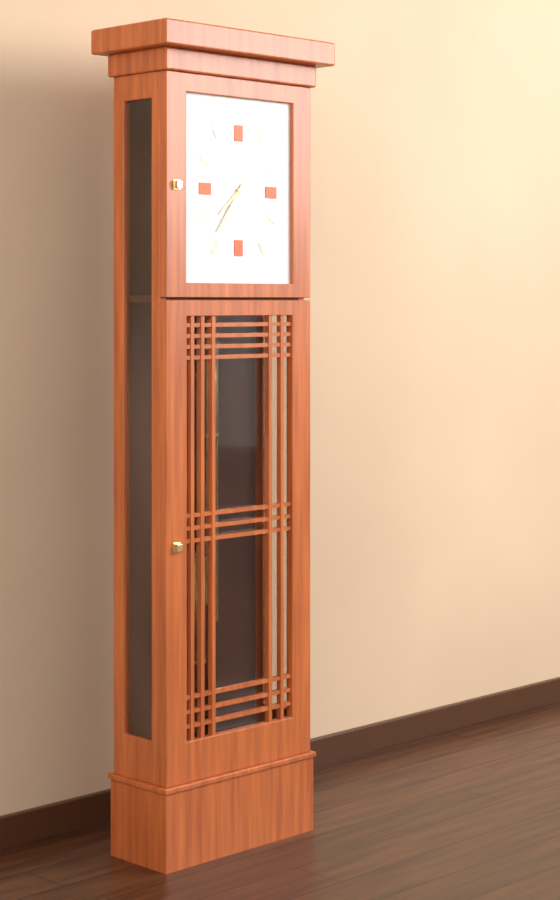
7:36
